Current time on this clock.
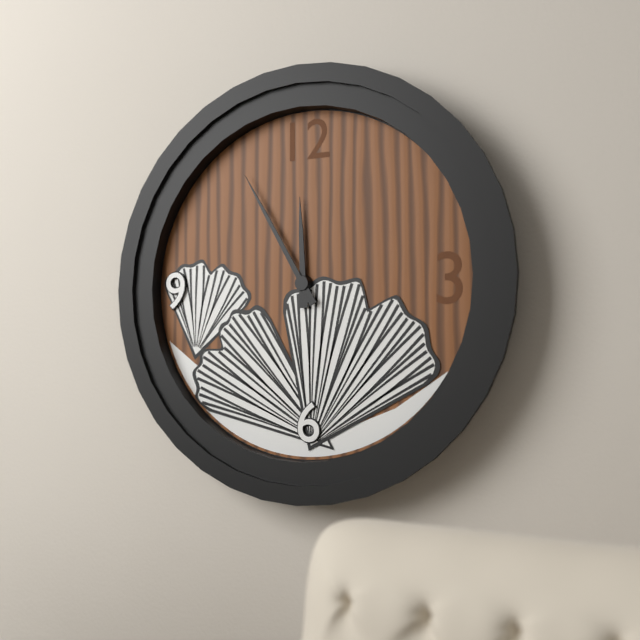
11:55
